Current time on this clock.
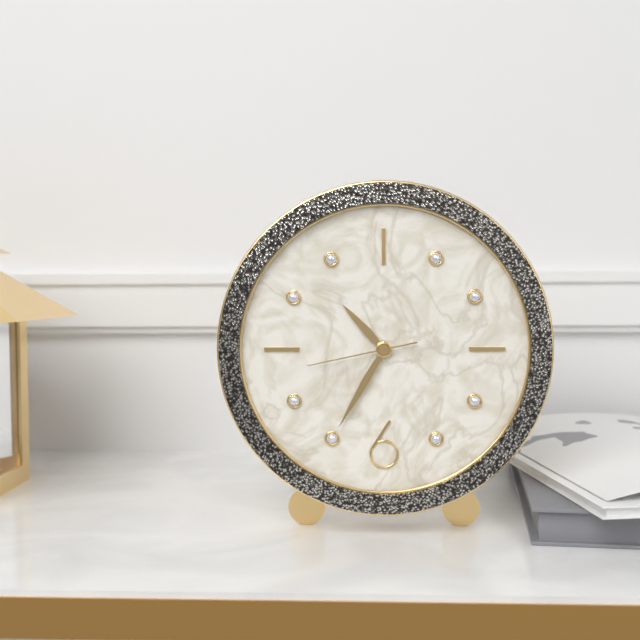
10:35:43
